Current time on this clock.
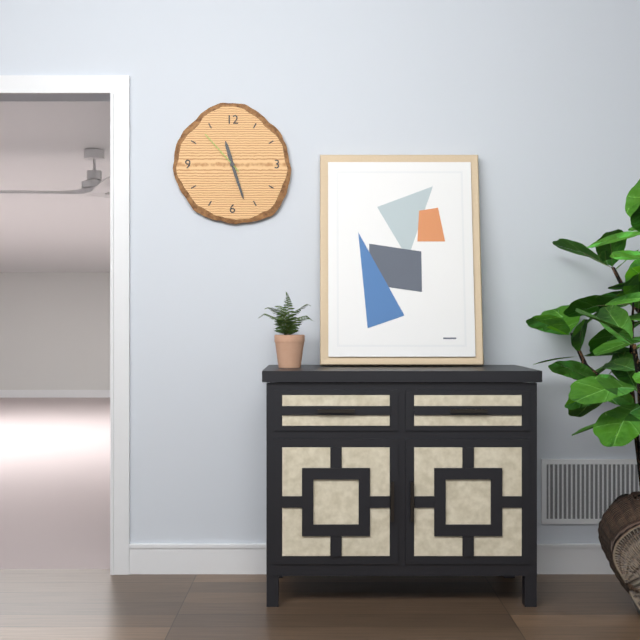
11:27:53
